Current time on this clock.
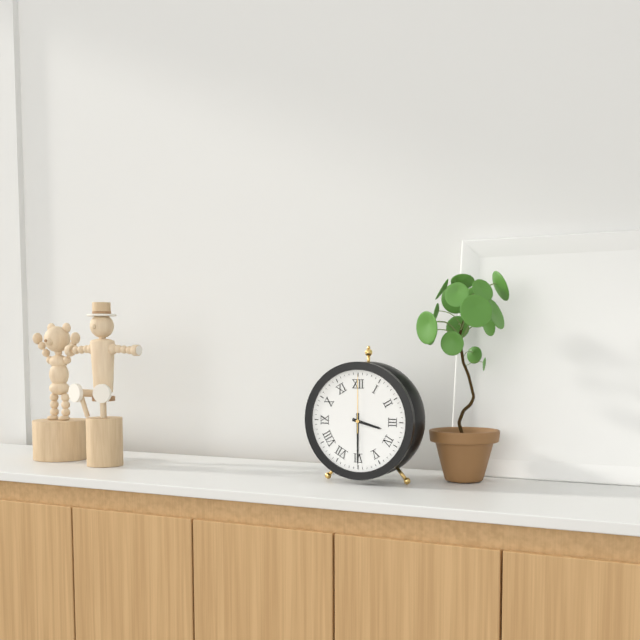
3:30:00
